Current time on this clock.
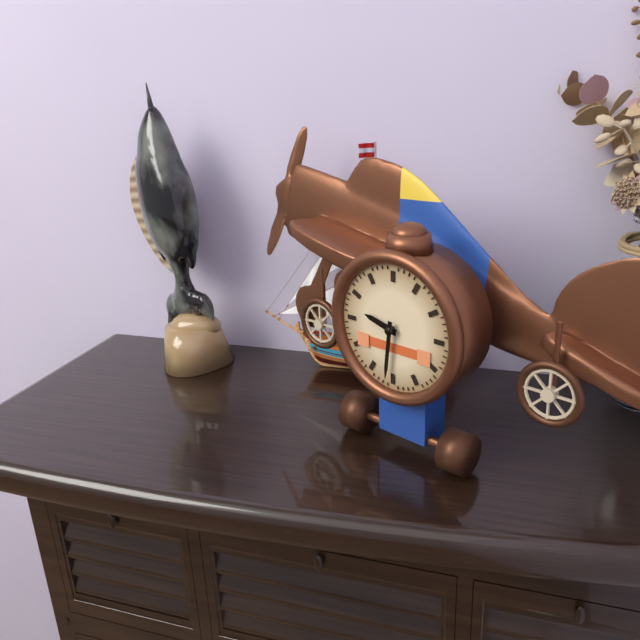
9:31
